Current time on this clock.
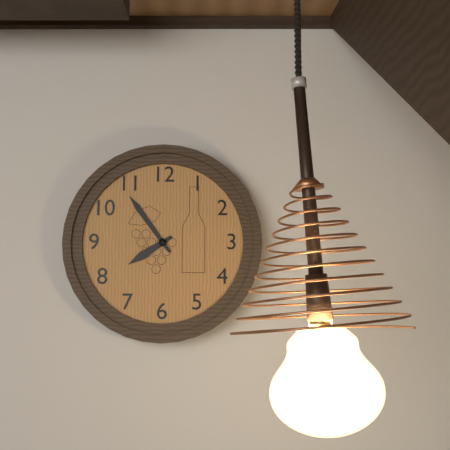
7:54
